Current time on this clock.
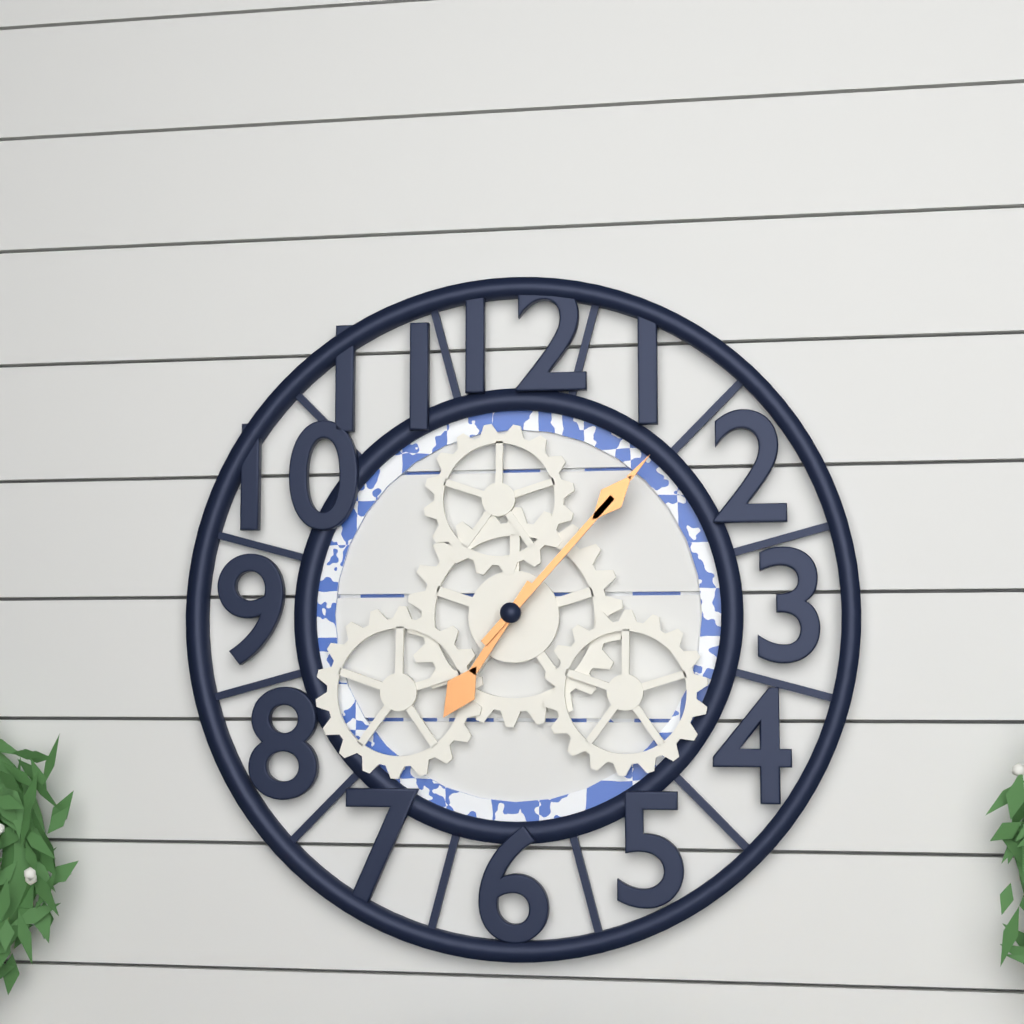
7:07
